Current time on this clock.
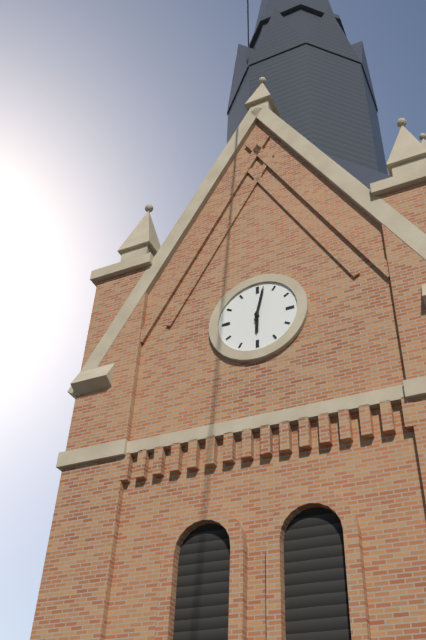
6:02
